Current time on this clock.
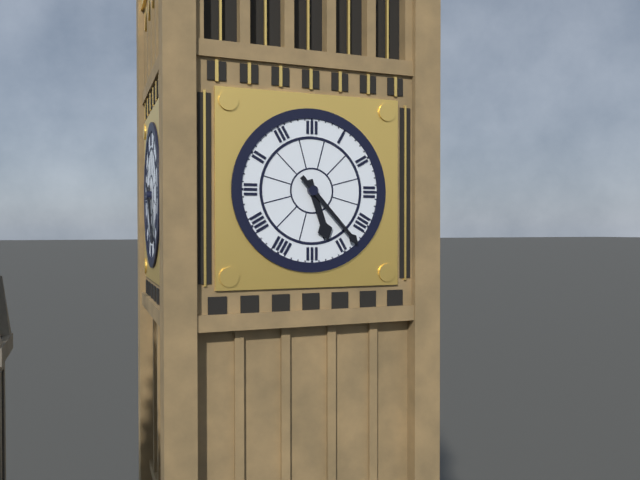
5:23
